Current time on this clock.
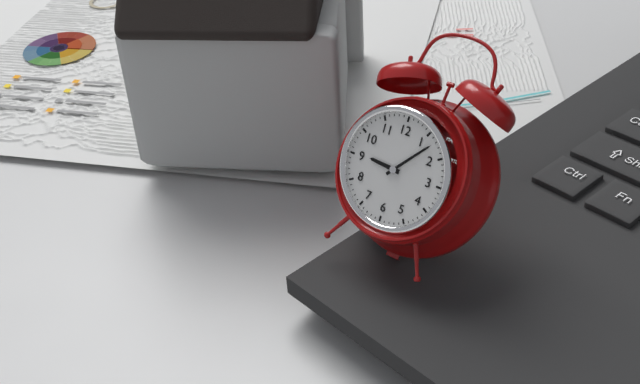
9:07
